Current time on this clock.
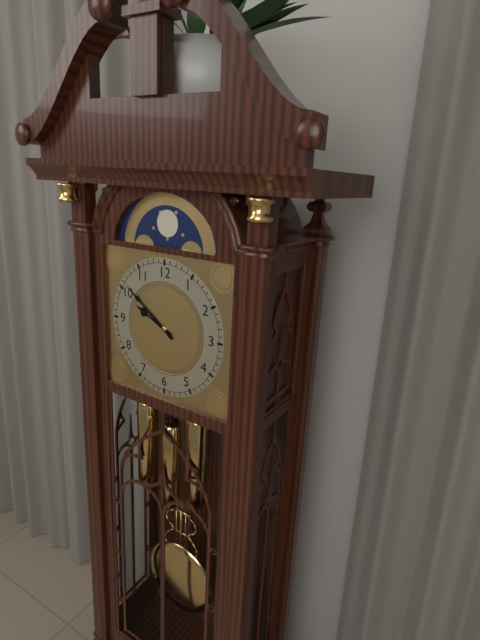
9:51
